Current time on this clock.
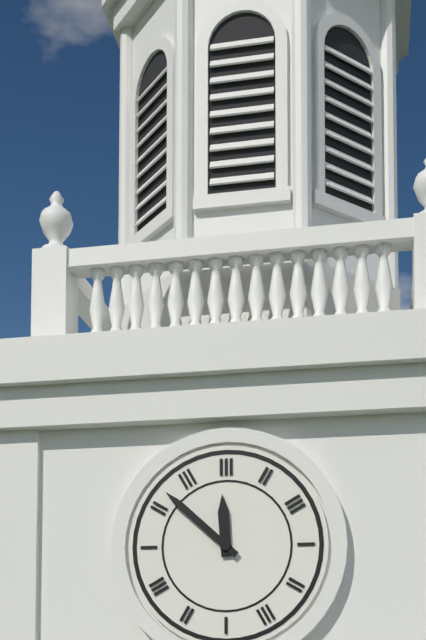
11:52
